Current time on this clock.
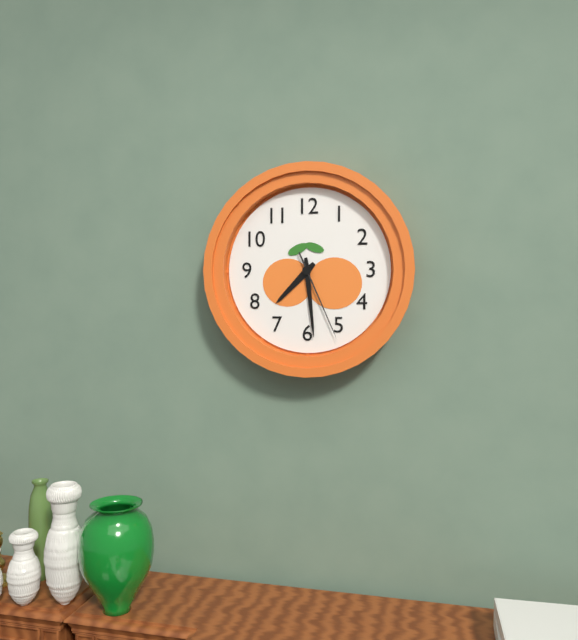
7:29:26
